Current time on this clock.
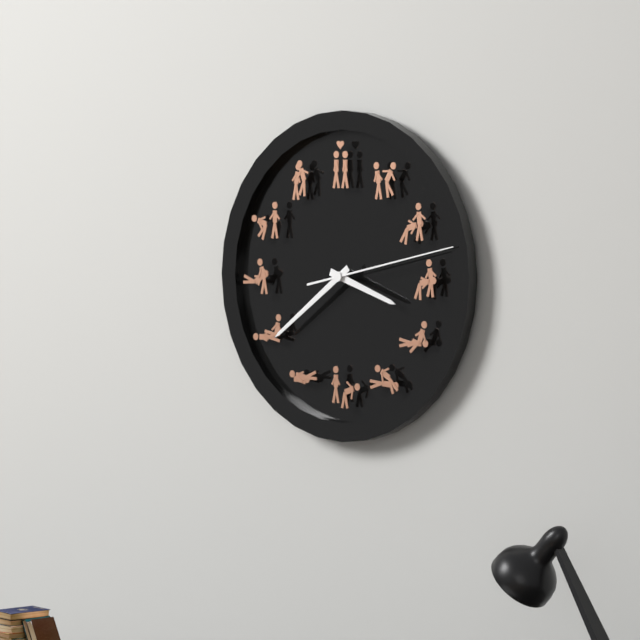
3:39:13
